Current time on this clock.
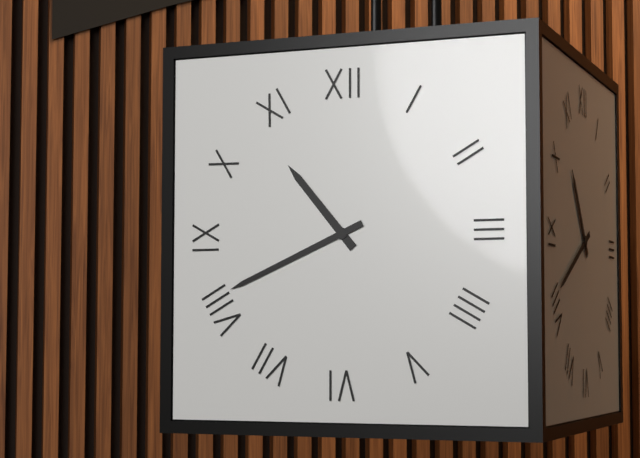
10:41
